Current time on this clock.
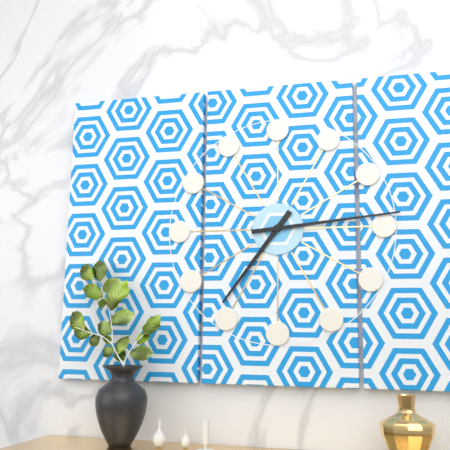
7:14
